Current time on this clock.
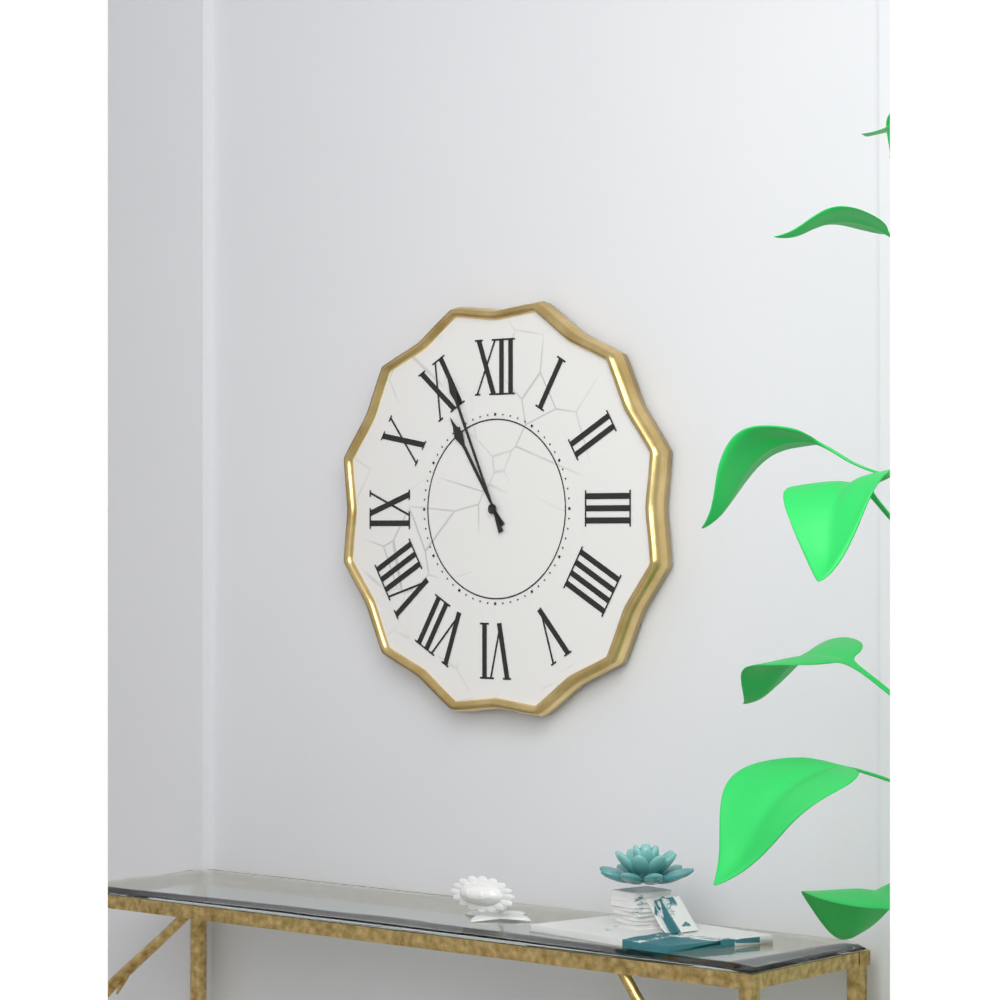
10:56
